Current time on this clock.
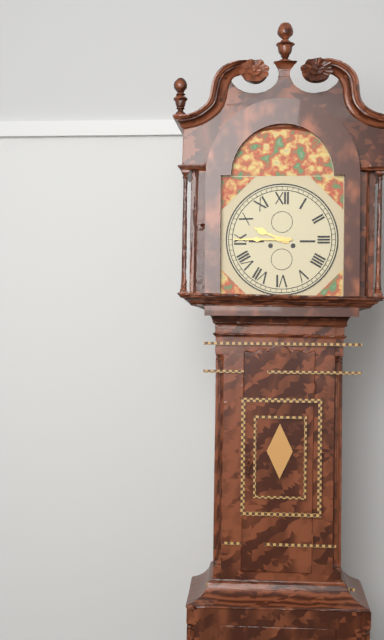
9:45
